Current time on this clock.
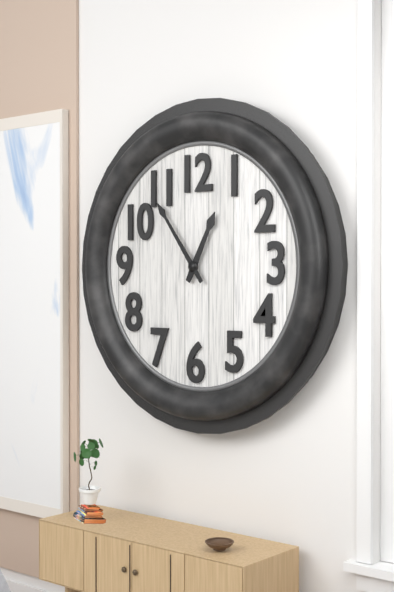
12:54
